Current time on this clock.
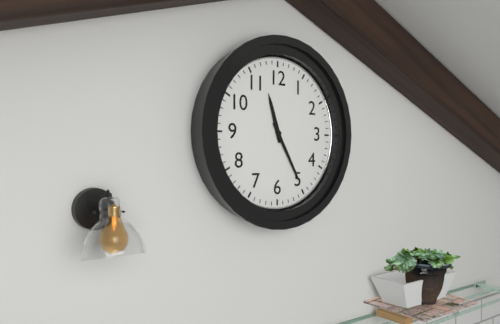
11:25
